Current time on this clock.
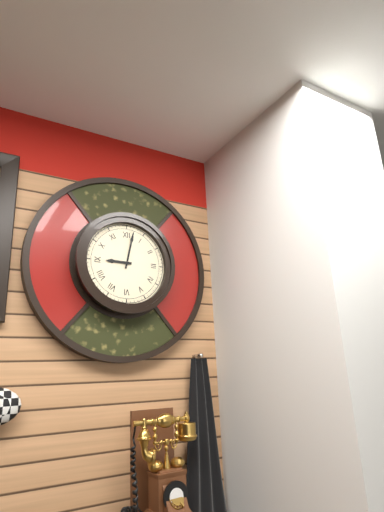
9:02
